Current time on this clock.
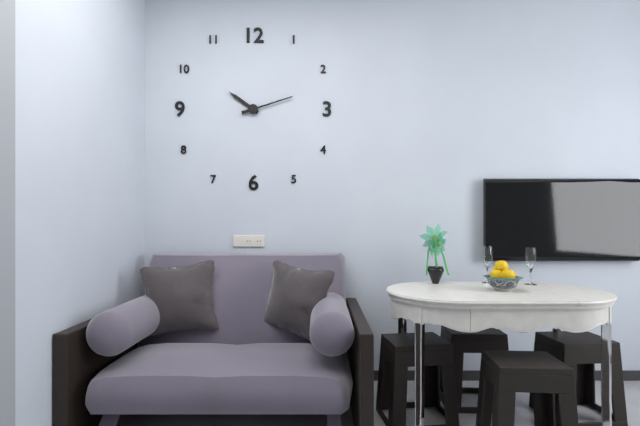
10:12
